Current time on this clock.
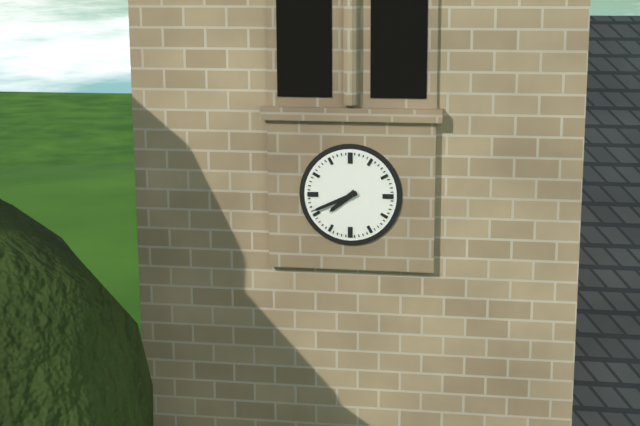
7:41
